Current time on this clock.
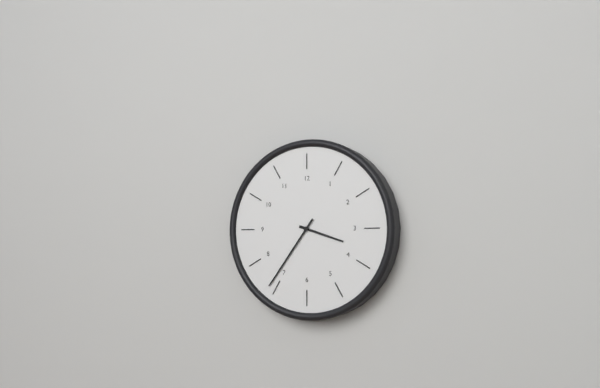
3:36
